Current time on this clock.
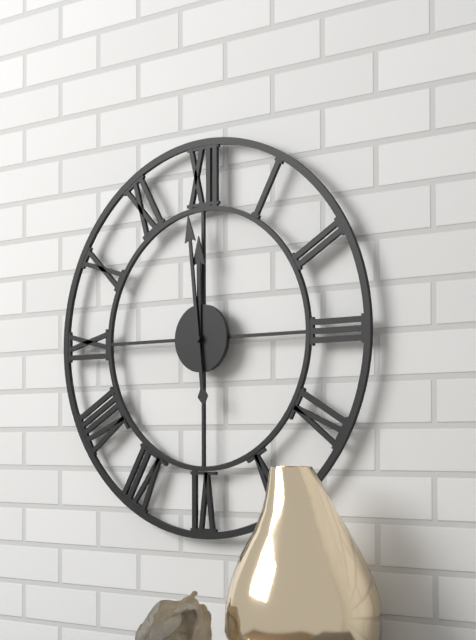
11:59
